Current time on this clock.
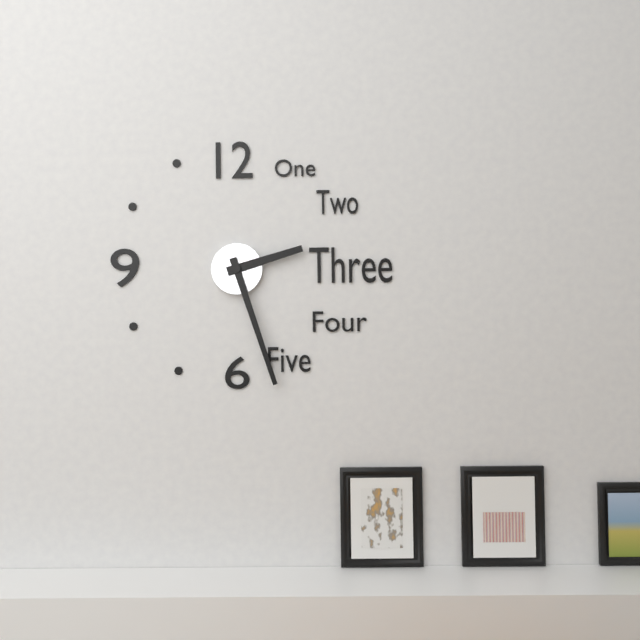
2:27
